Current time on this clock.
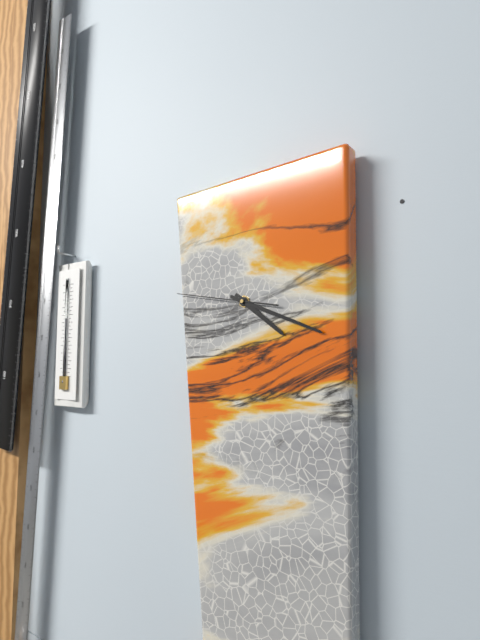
4:19:47
